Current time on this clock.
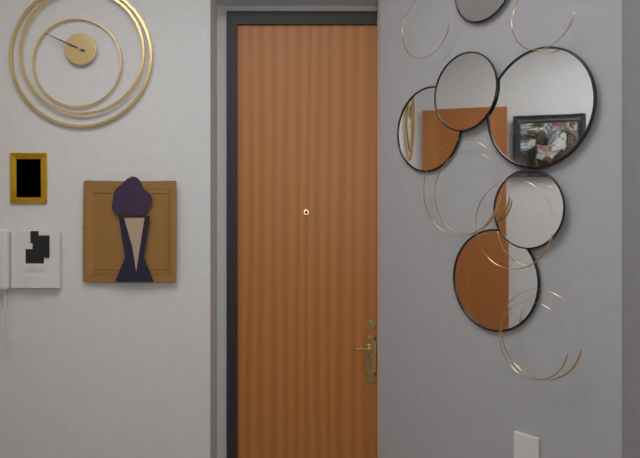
9:49
